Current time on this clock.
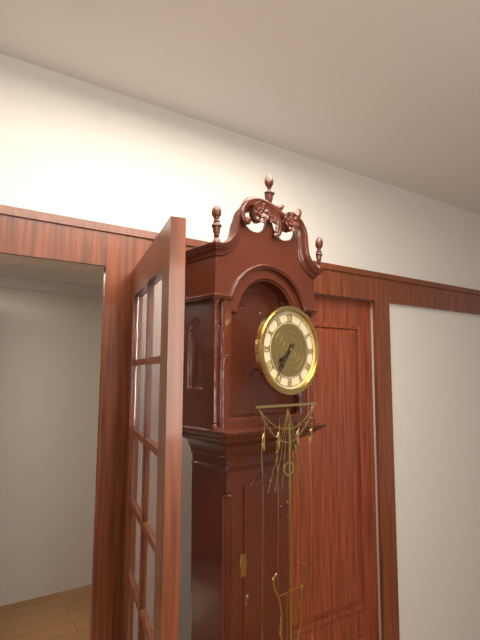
7:36
